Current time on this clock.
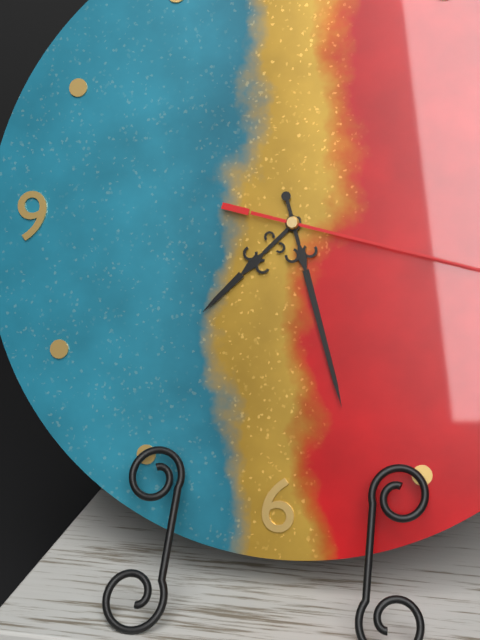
7:27
